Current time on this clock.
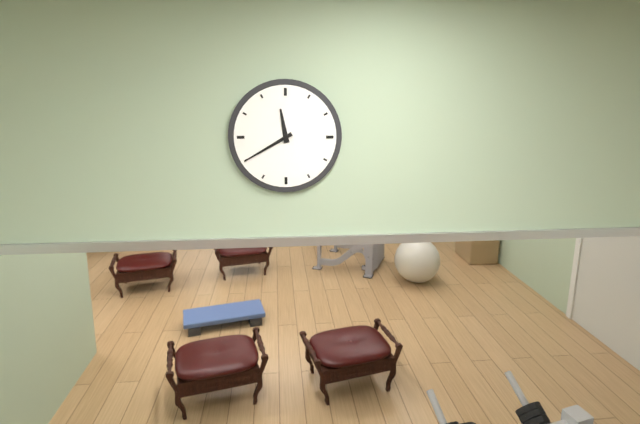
11:40
